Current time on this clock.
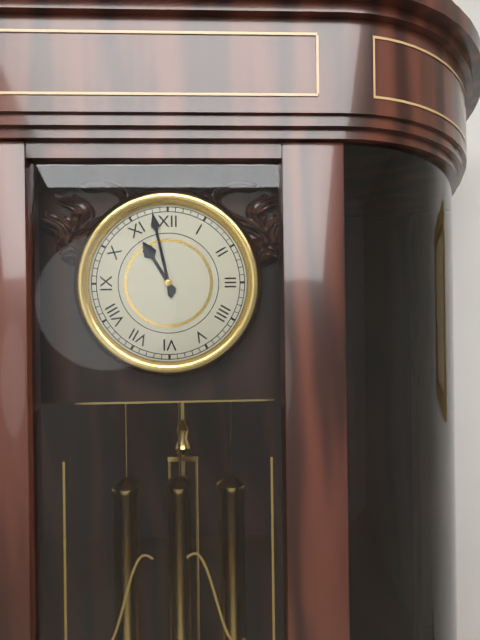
10:58
